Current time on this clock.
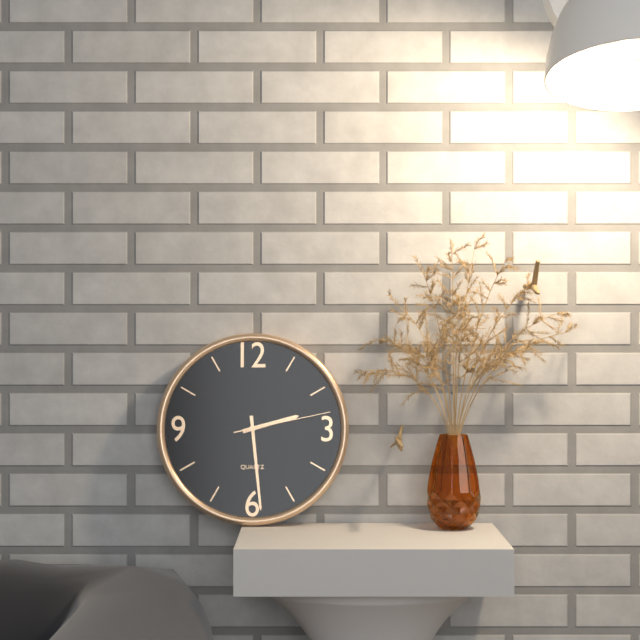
2:29:13
